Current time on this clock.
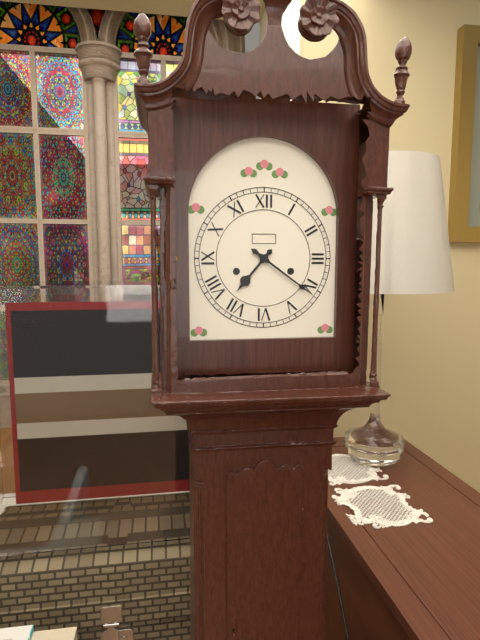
7:21
